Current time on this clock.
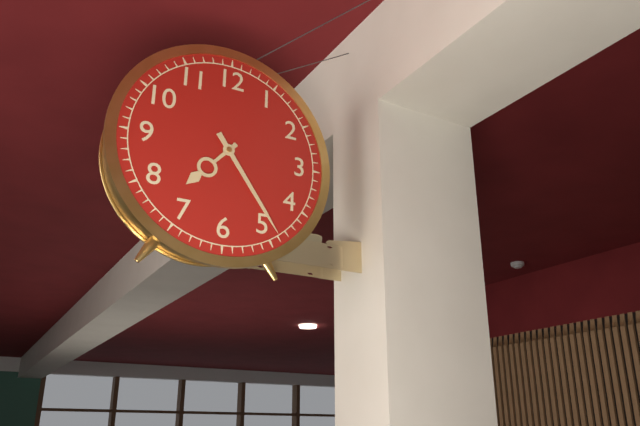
7:24
